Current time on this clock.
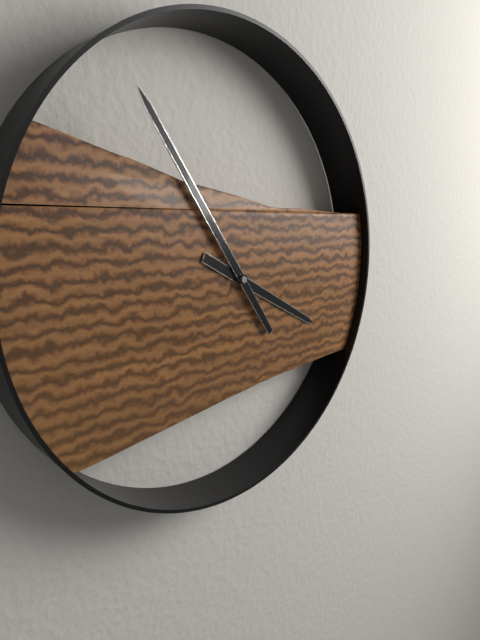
3:54
